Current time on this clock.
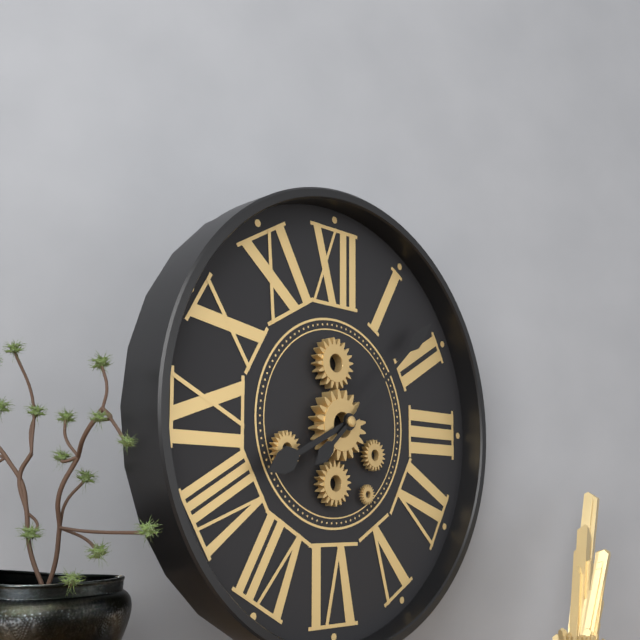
8:08
